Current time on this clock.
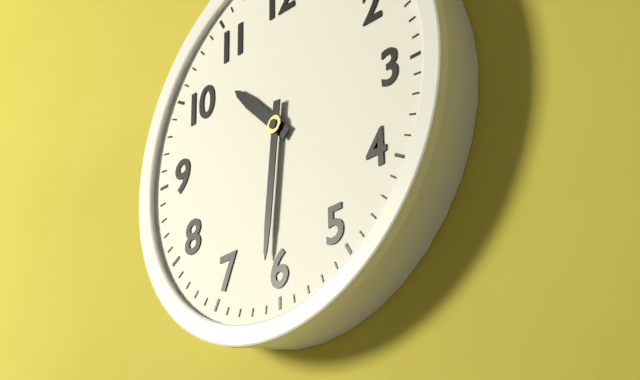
10:31
